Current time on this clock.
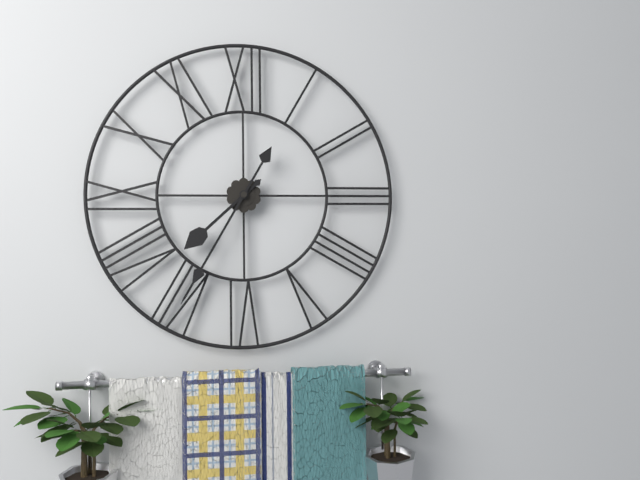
7:35
